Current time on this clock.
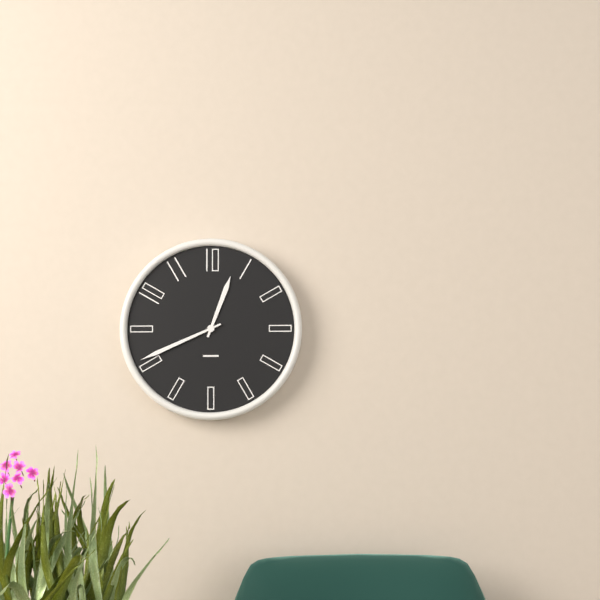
12:41
